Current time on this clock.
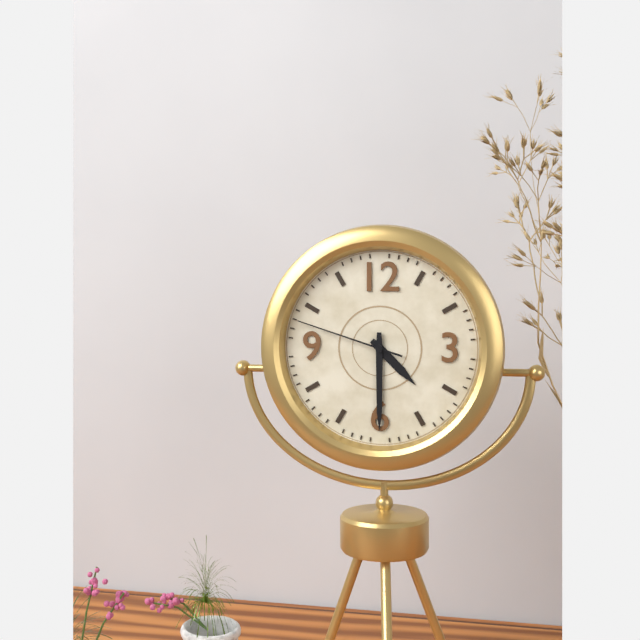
4:30:48
